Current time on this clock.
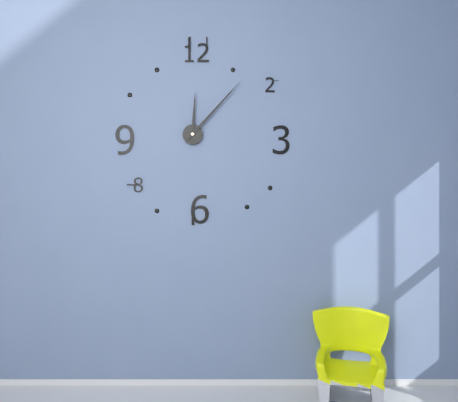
12:07
